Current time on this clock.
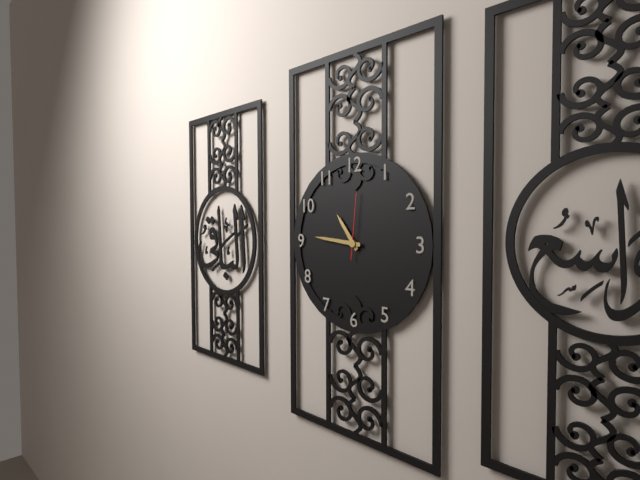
10:46:01
